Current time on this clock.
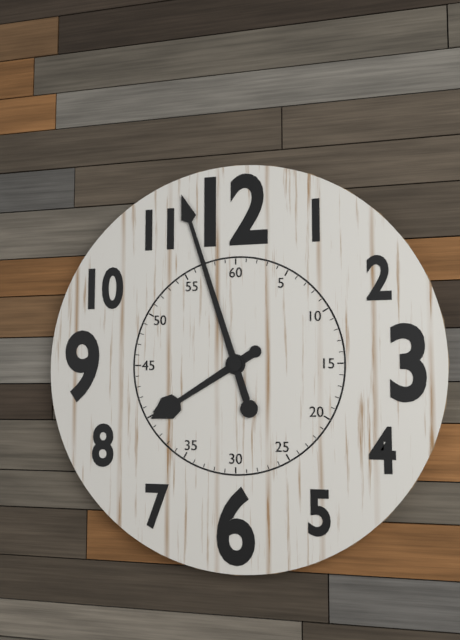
7:57
